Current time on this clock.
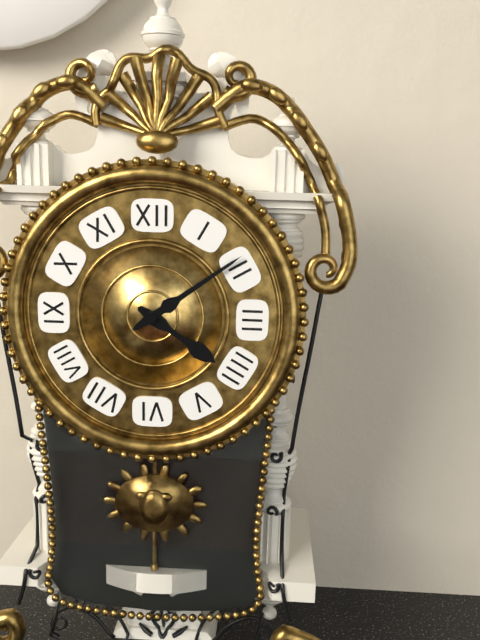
4:09
